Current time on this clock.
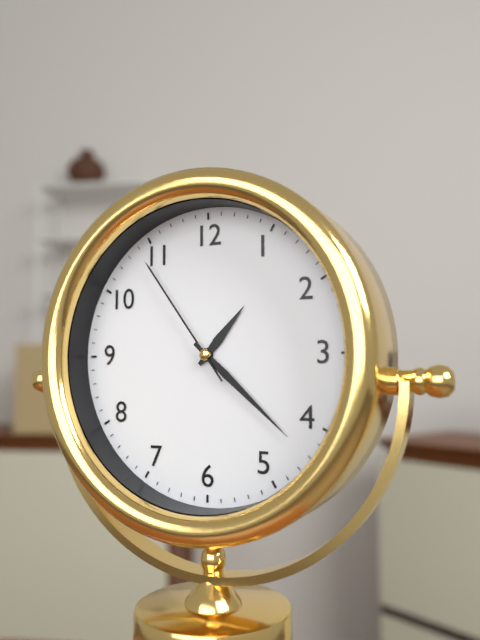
1:22:54
